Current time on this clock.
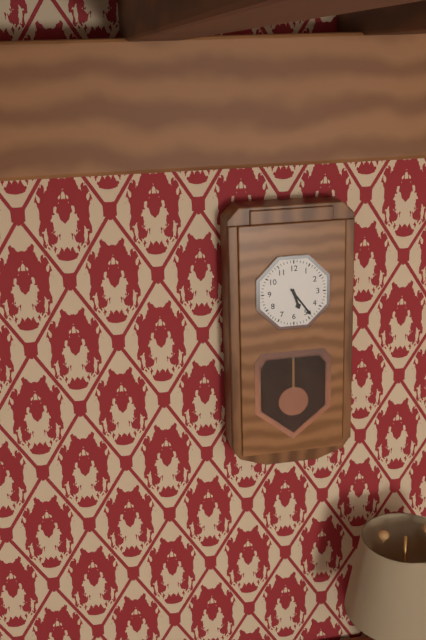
5:24
